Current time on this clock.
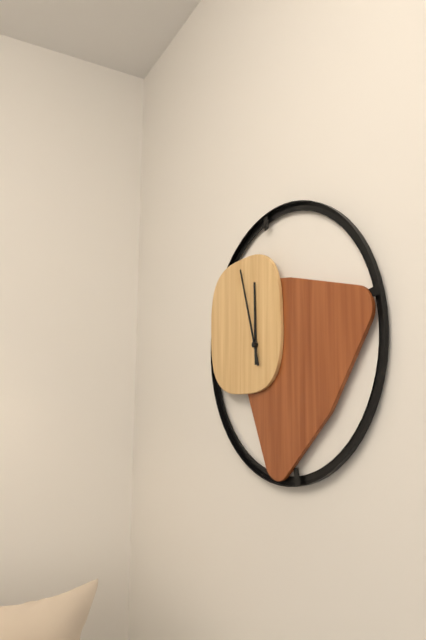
11:57
